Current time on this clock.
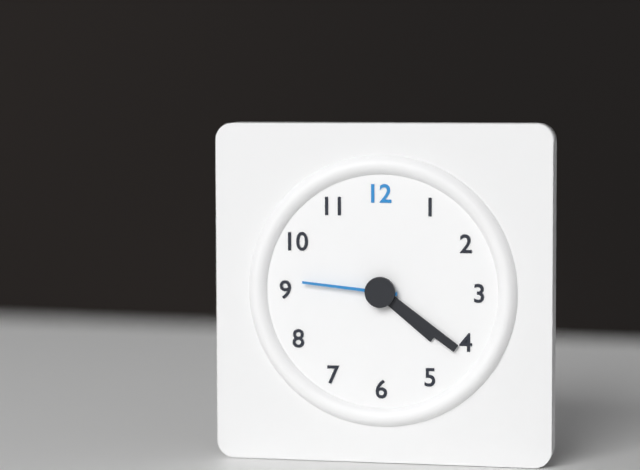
4:21:46
